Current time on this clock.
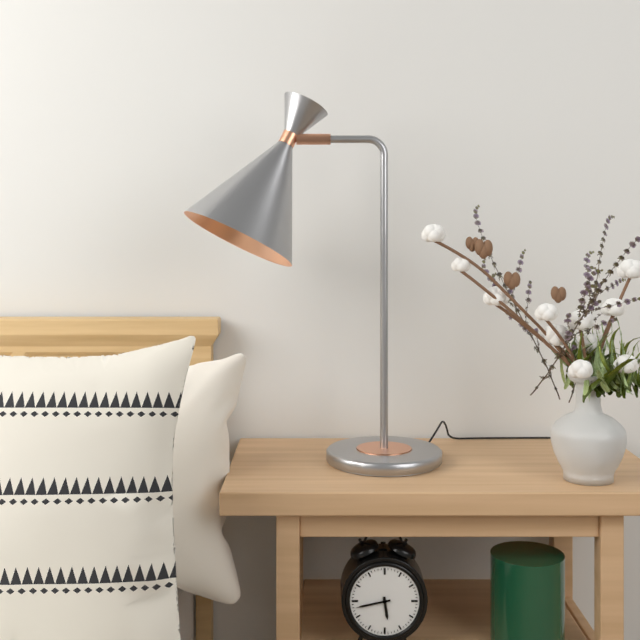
5:43
